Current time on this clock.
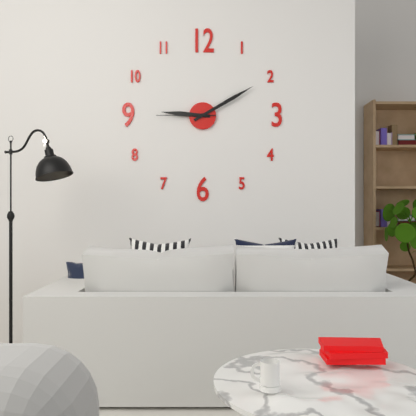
9:10:45
